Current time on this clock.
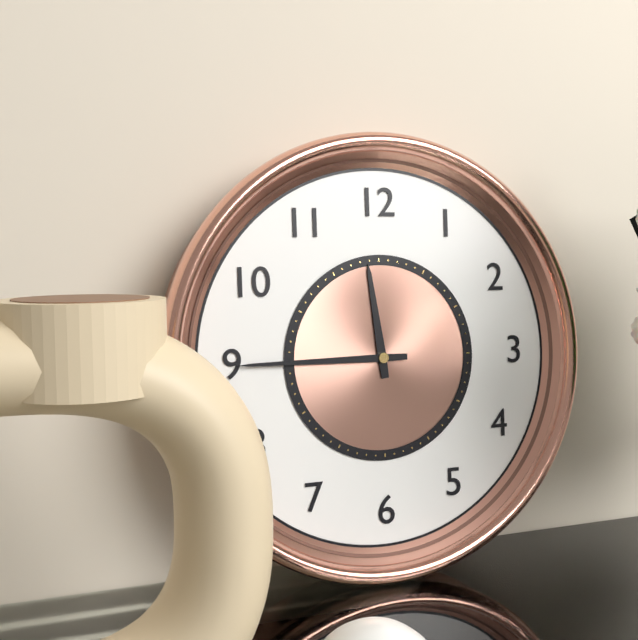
11:45
